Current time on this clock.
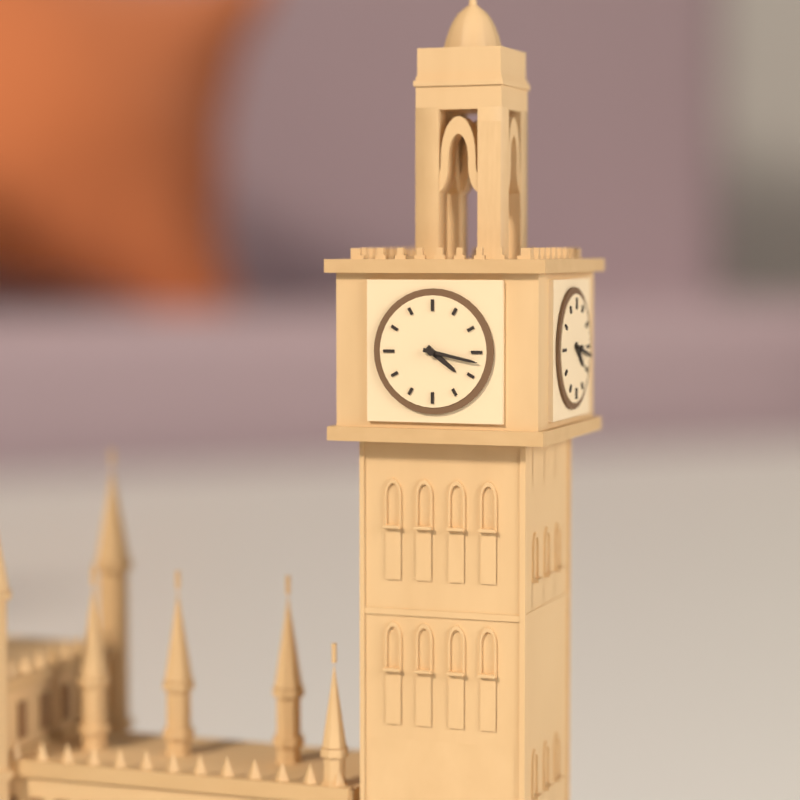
4:17
